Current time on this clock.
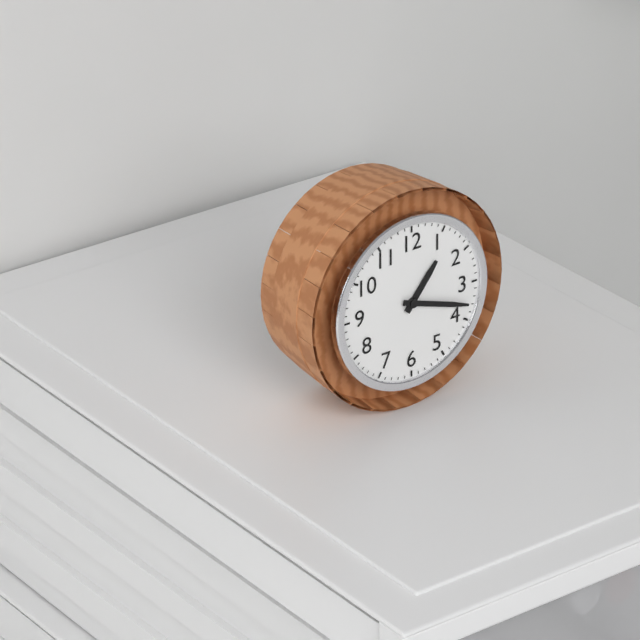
1:18
